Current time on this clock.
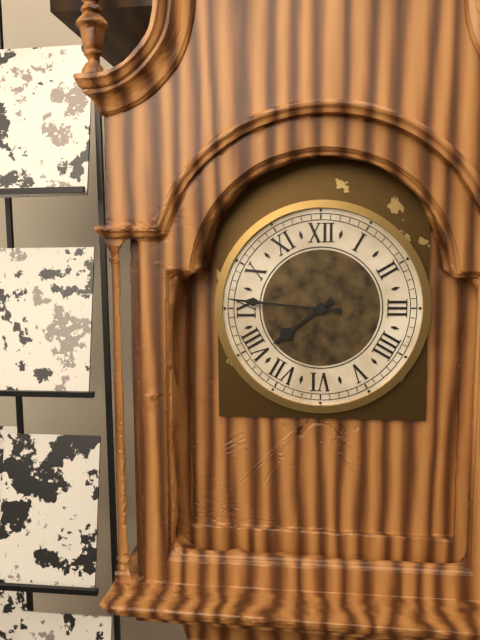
7:46
